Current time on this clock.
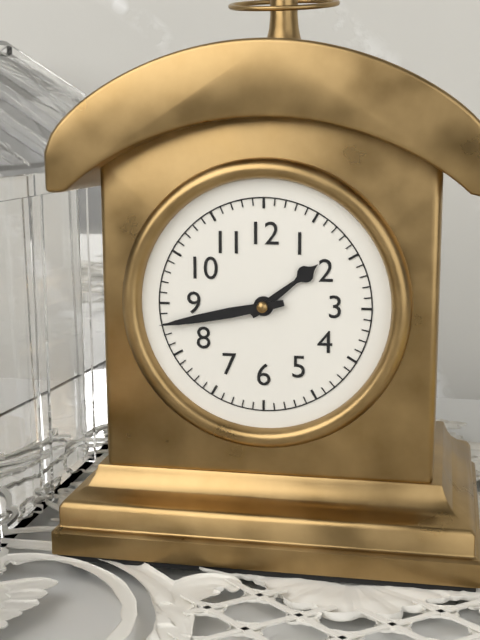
1:43
